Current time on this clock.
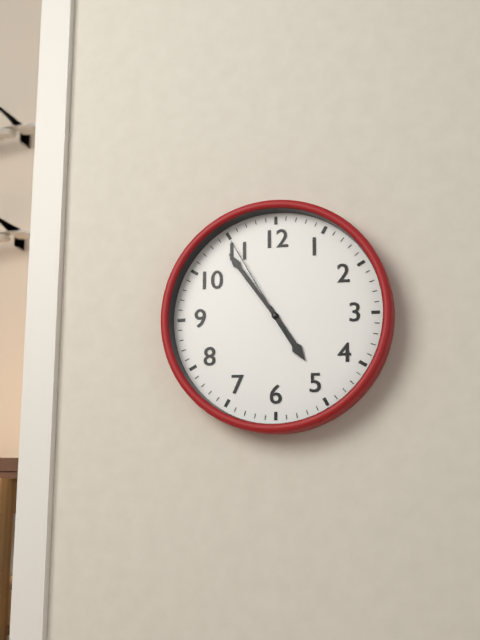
4:54:55
